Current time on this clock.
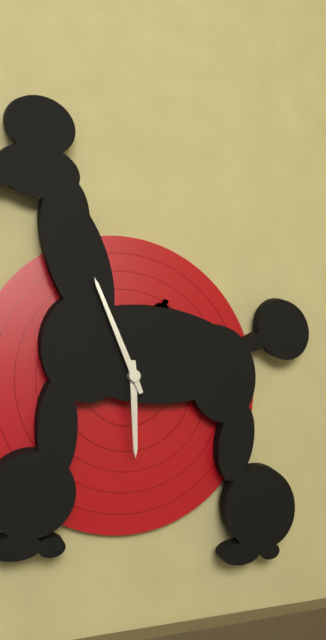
5:56
